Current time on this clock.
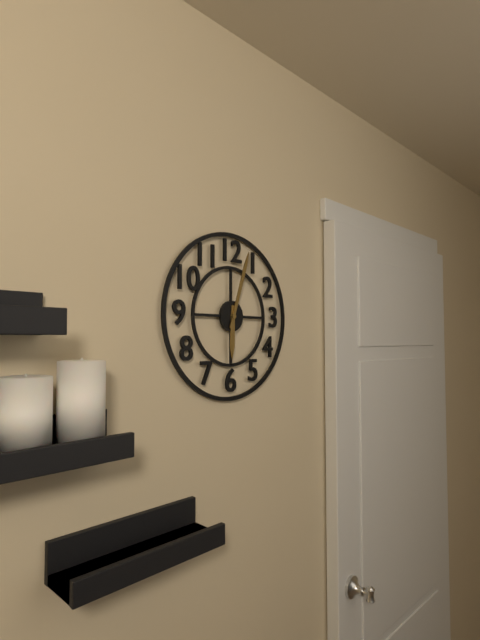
6:03
